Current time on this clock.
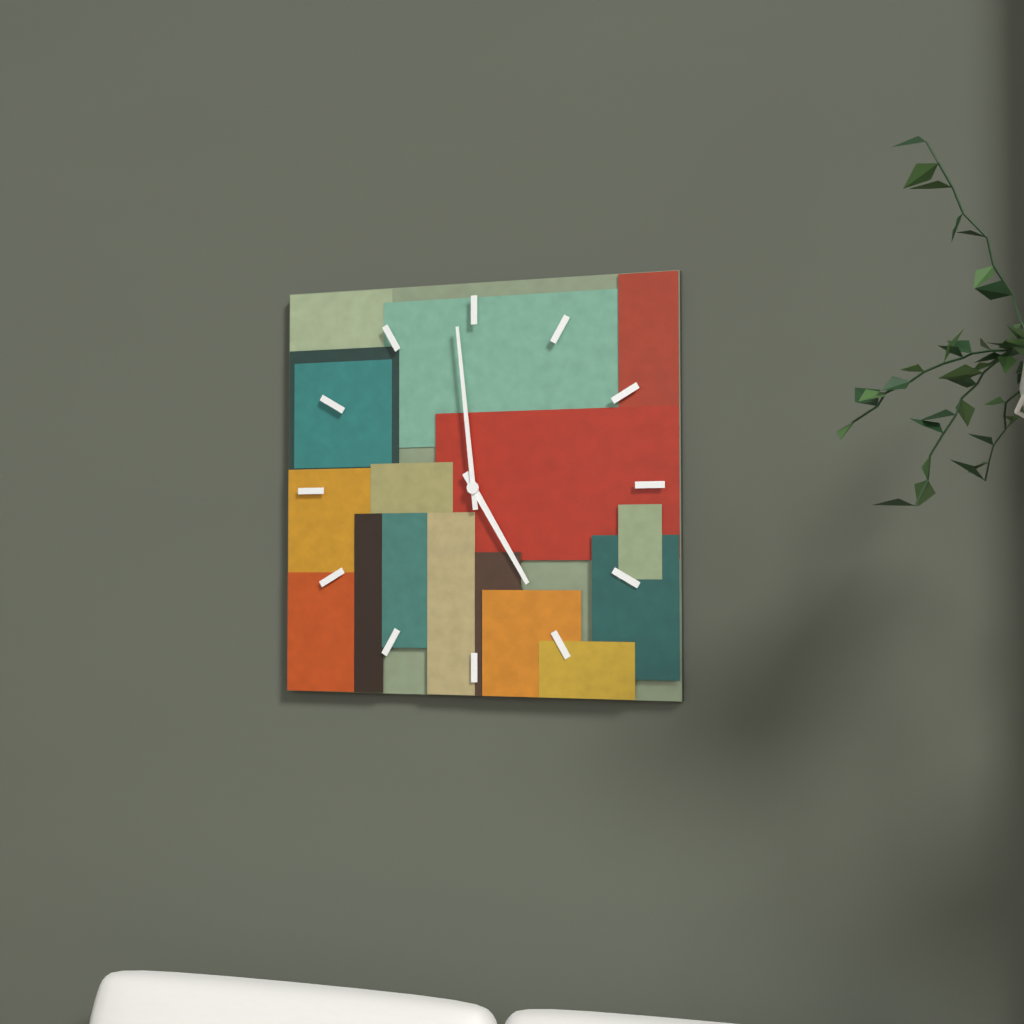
4:59
